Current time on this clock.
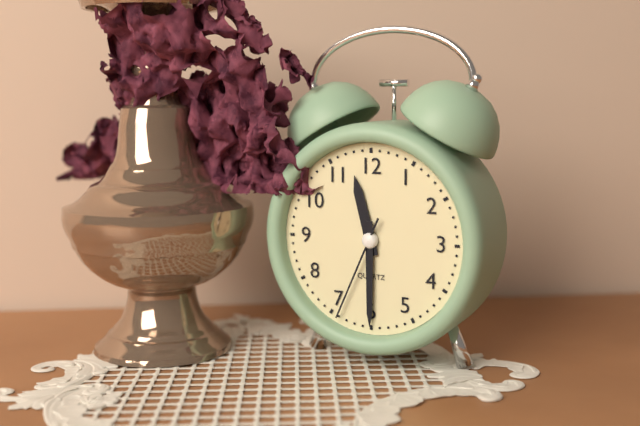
11:30:34
